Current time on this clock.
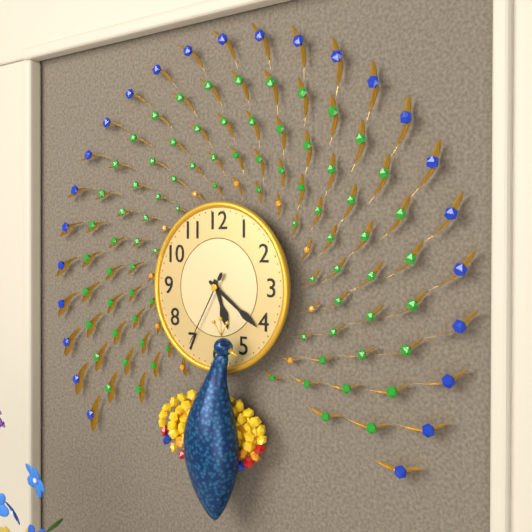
5:21:35
